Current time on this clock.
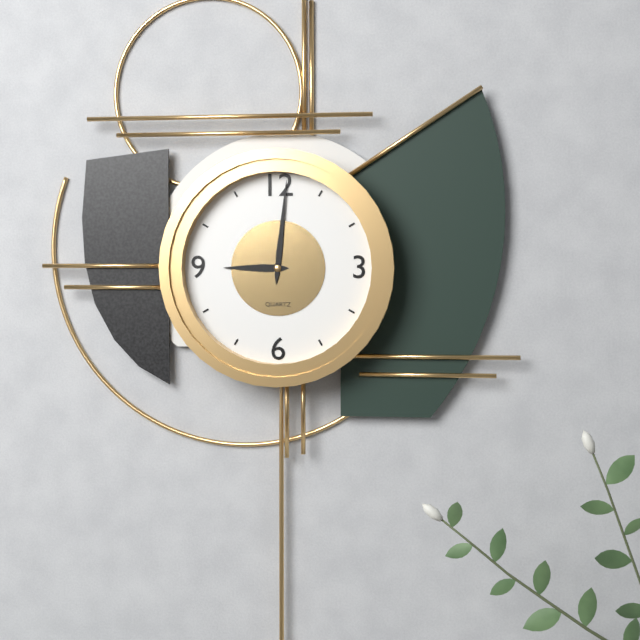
9:01
